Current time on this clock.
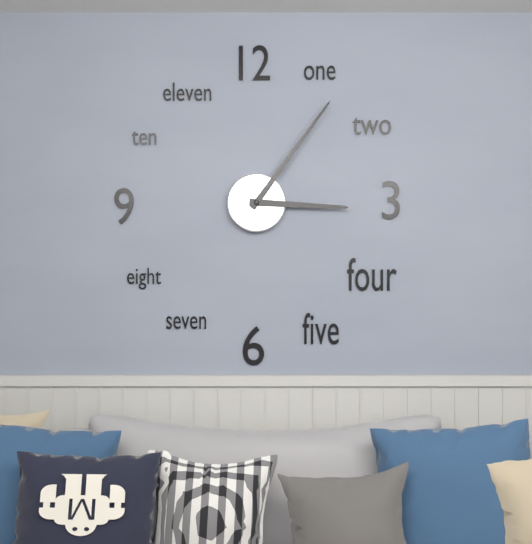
3:06
